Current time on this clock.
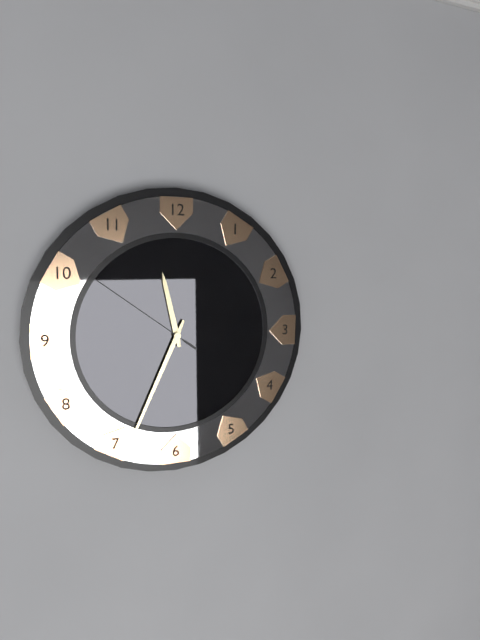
11:34:51
